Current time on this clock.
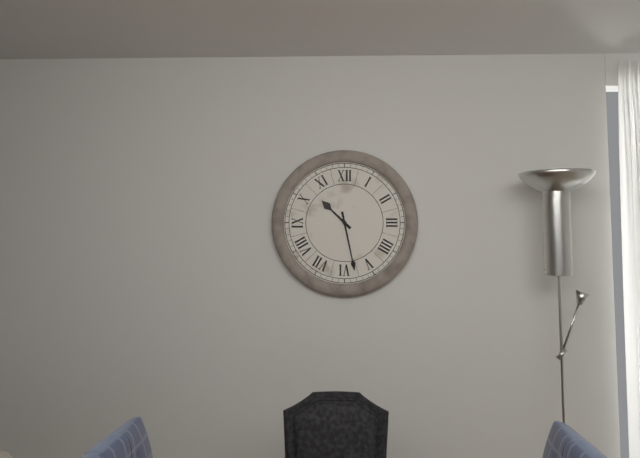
10:28
